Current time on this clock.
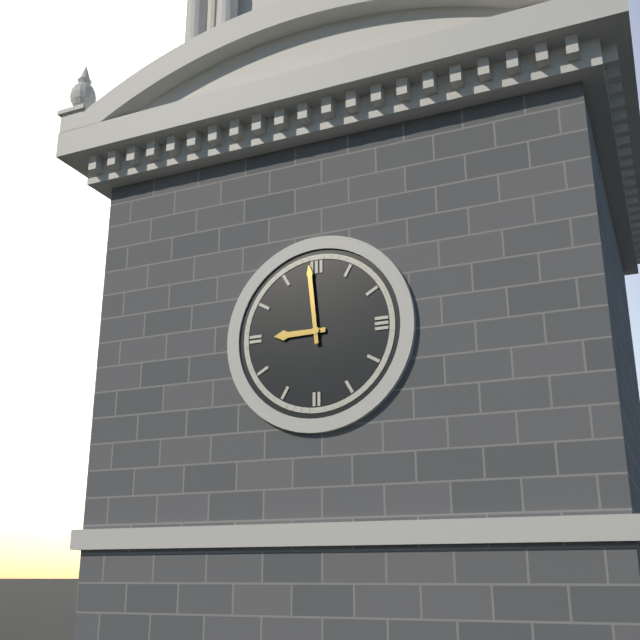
8:59
